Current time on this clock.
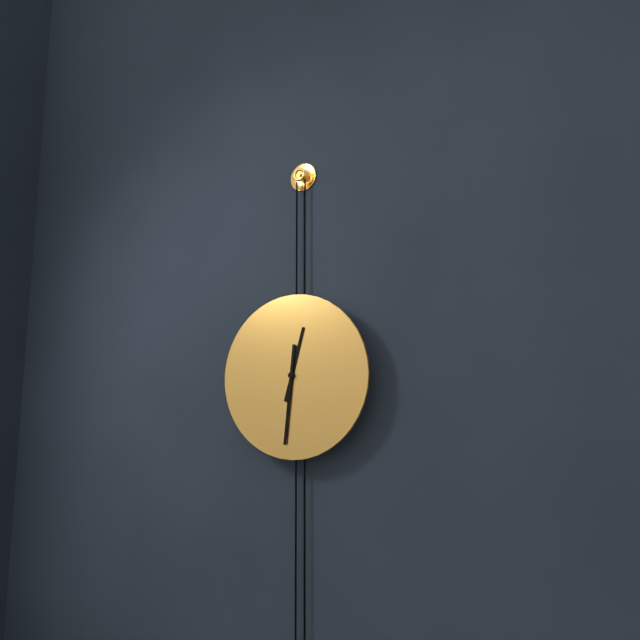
12:31
